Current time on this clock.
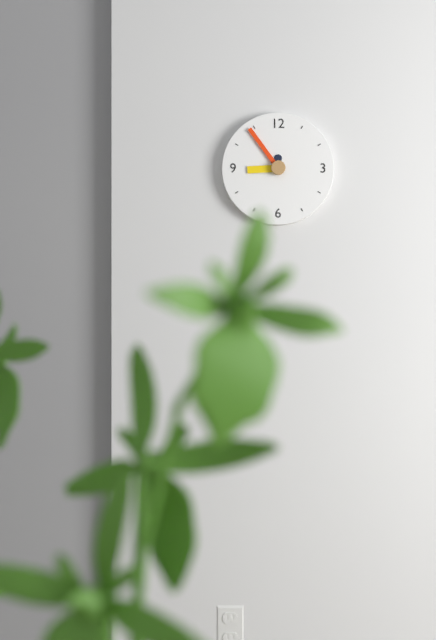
8:54
